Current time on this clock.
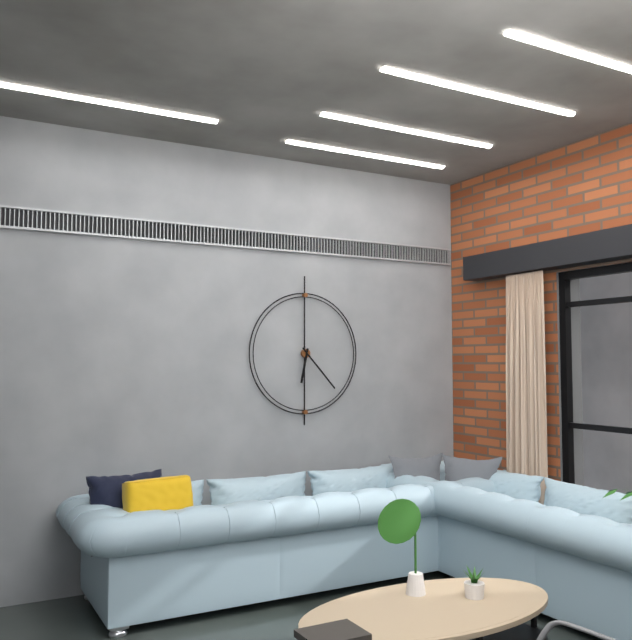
6:23
